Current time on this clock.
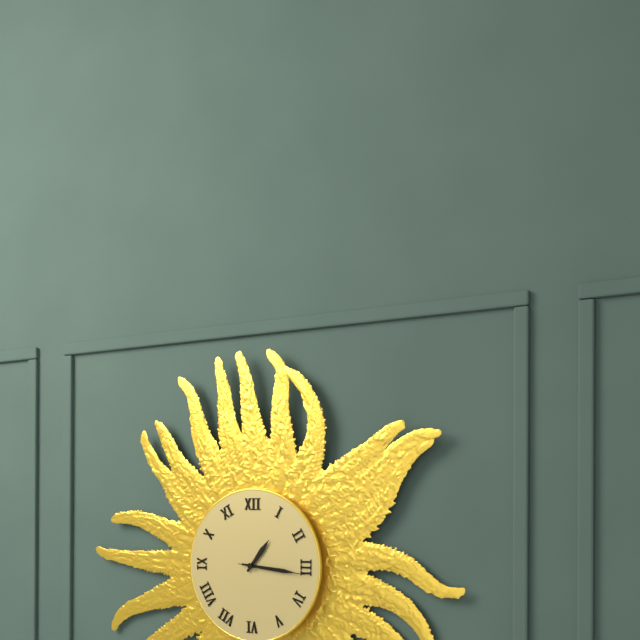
1:16:16
